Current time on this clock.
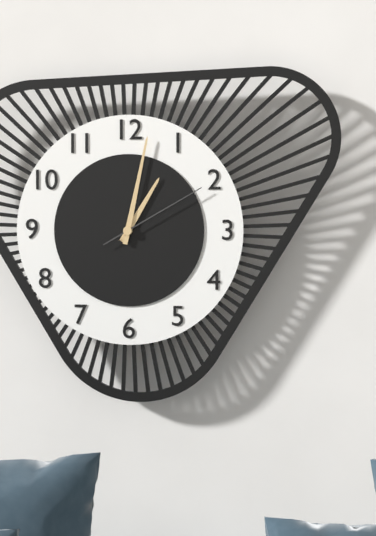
1:02:10
